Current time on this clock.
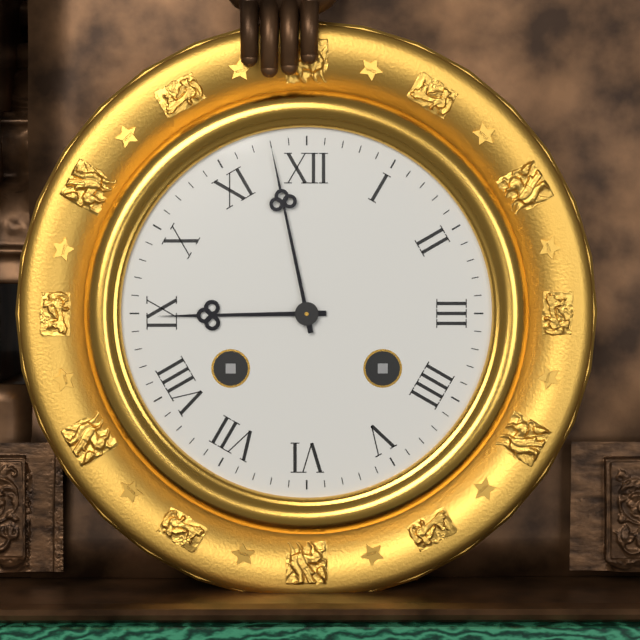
8:58
